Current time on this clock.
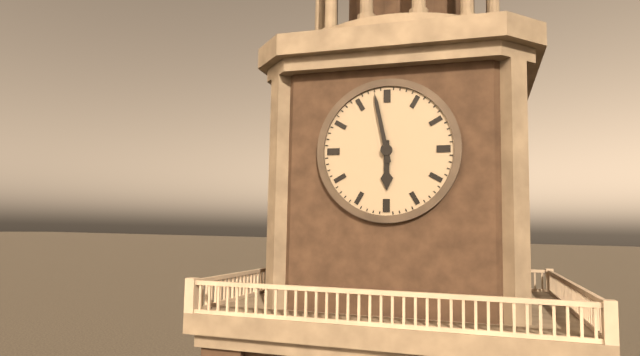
5:58
